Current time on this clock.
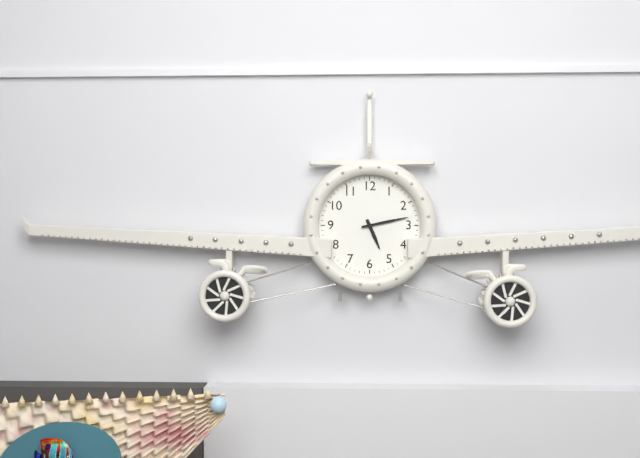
5:13
